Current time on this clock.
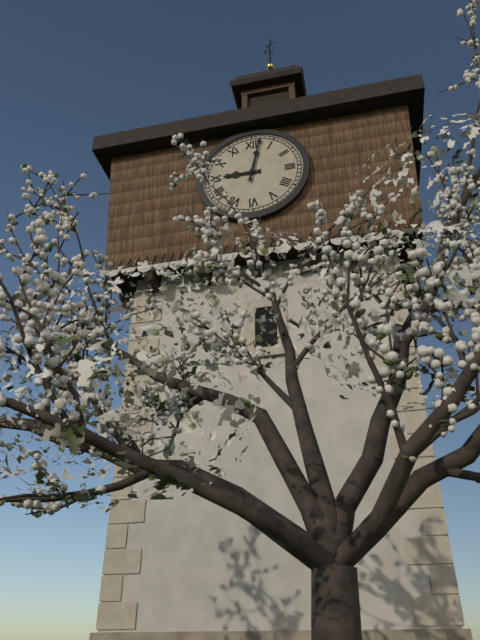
9:02
